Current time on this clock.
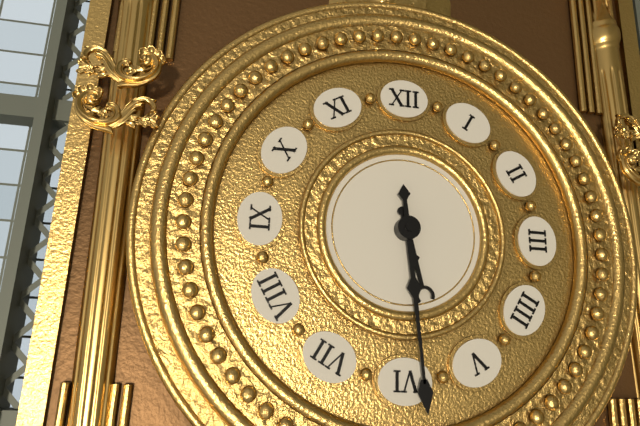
5:29
